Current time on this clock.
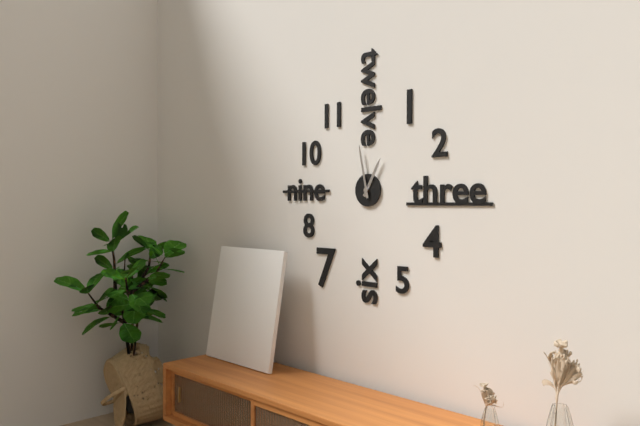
12:58
